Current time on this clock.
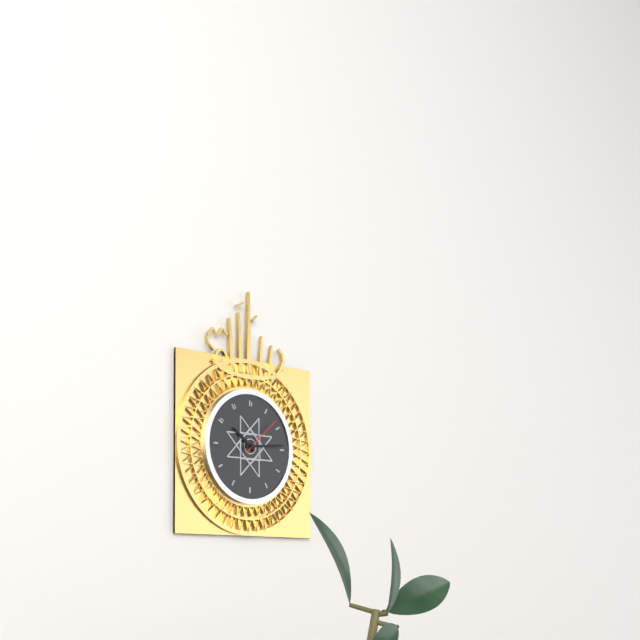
10:14:08
